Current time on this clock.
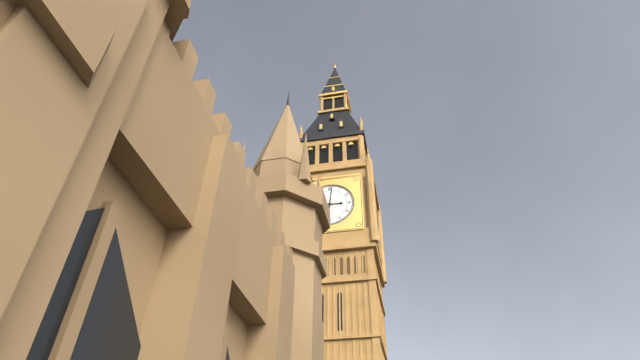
3:01
